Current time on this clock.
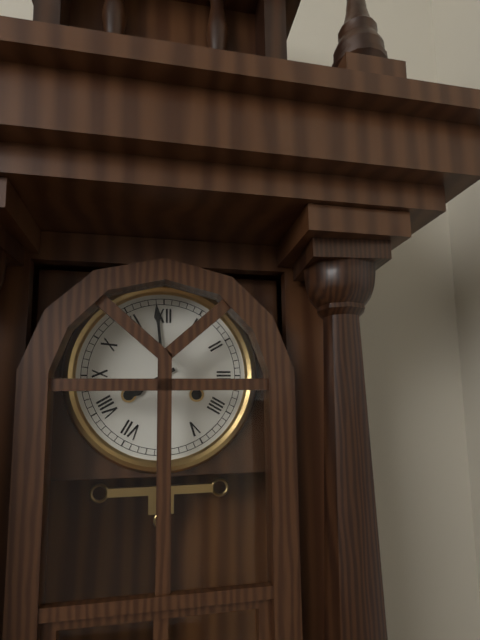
7:59
